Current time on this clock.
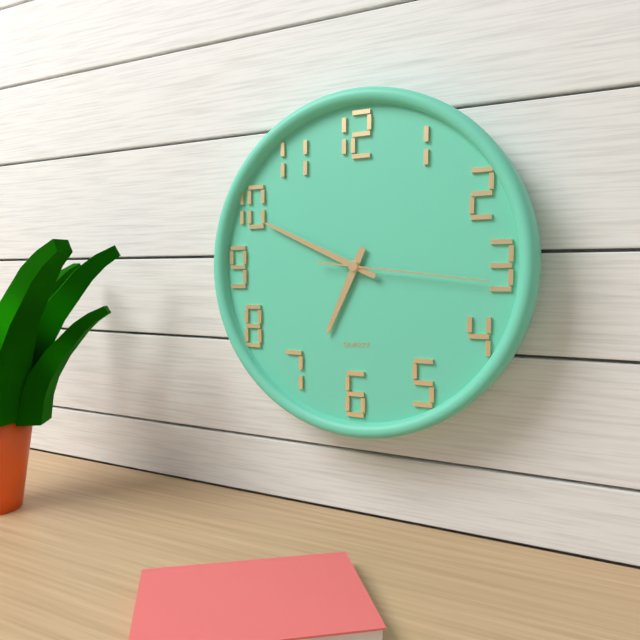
6:49:16
